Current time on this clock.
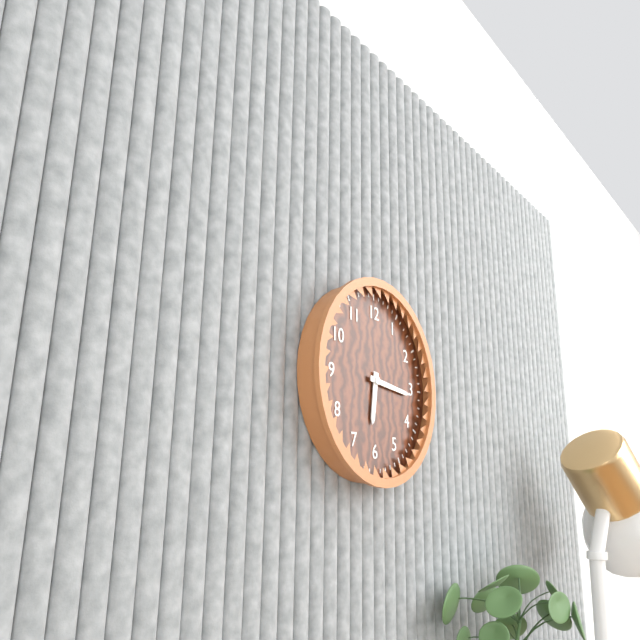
6:16
